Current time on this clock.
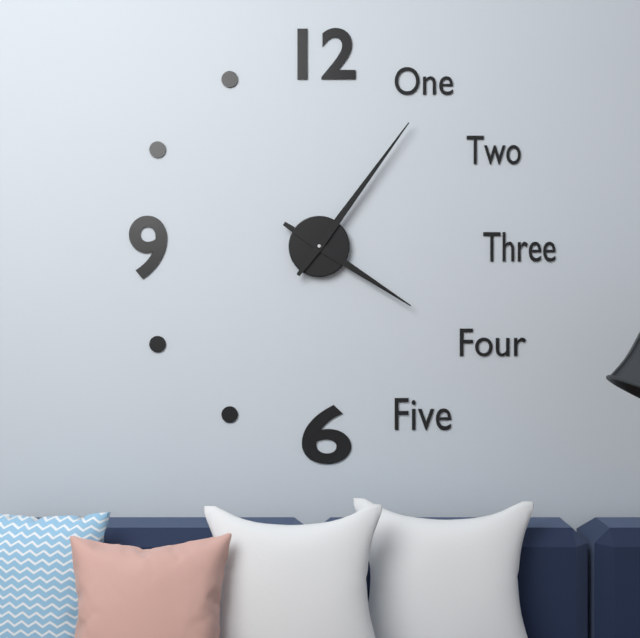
4:06
